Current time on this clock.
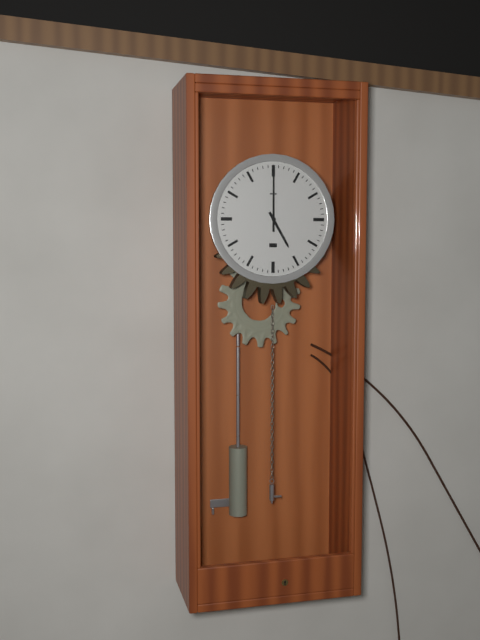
5:00
